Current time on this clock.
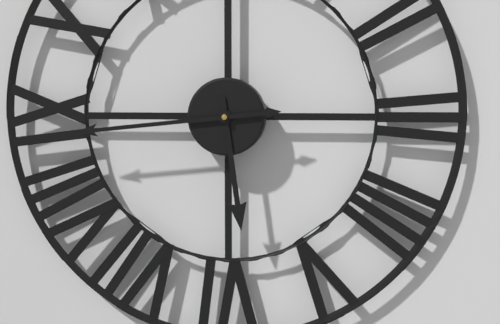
5:44
